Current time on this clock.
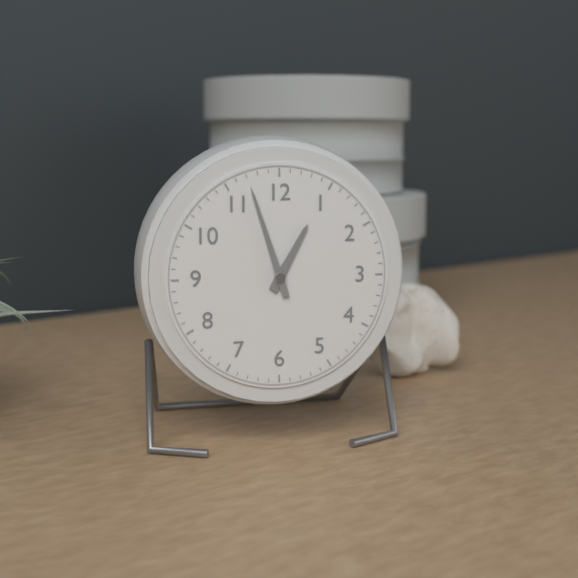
12:57
